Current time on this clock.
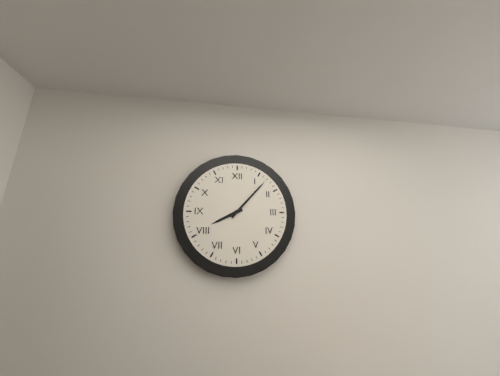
8:07
